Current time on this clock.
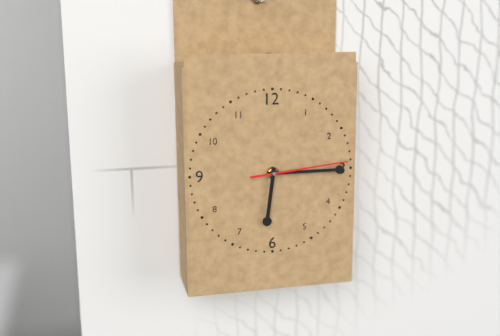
6:15:14
